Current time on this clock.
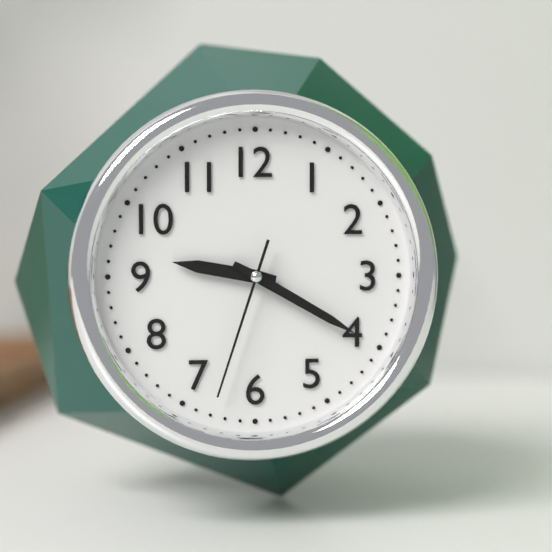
9:20:33
